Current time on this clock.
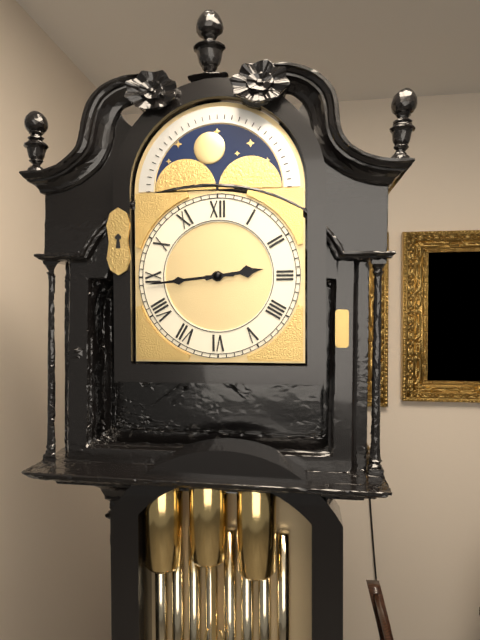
2:44
